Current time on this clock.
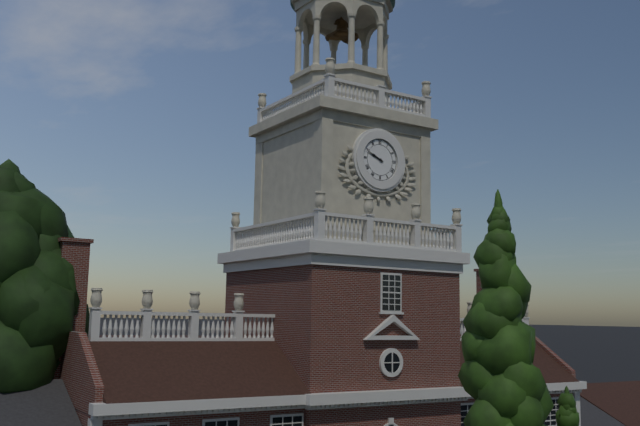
9:49
